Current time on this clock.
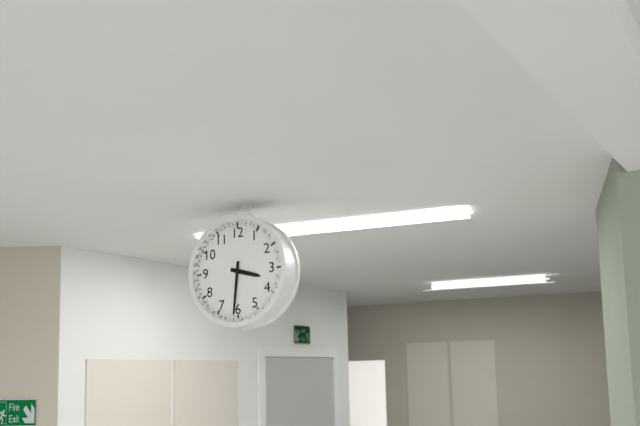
3:31
